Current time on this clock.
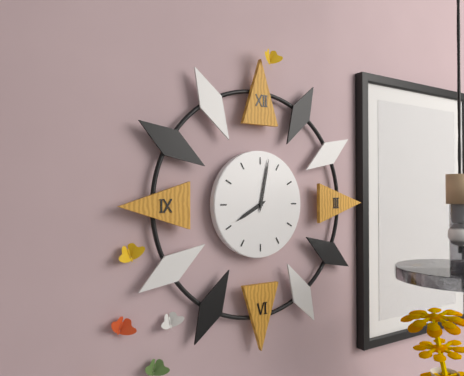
8:02
